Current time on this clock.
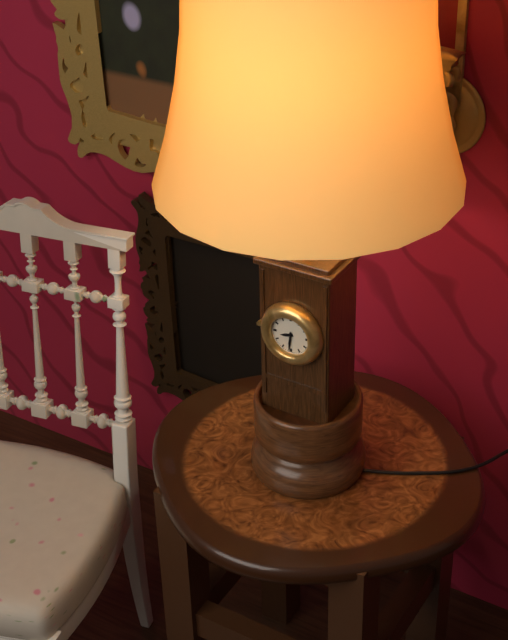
8:31
